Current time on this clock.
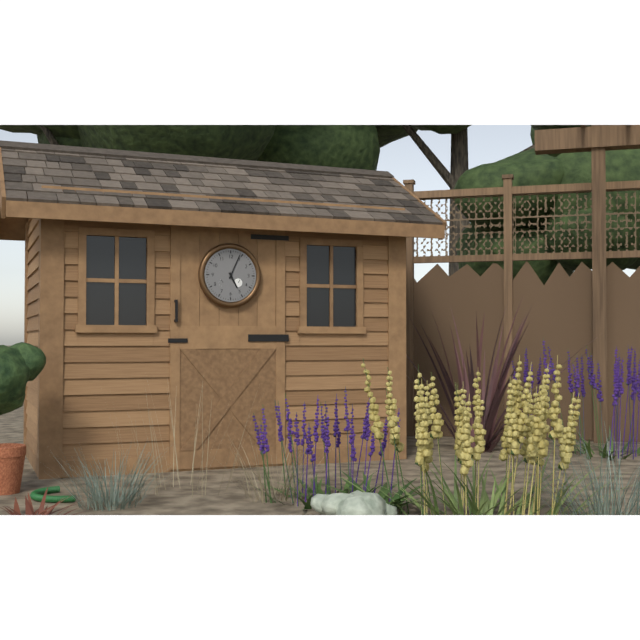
5:04
